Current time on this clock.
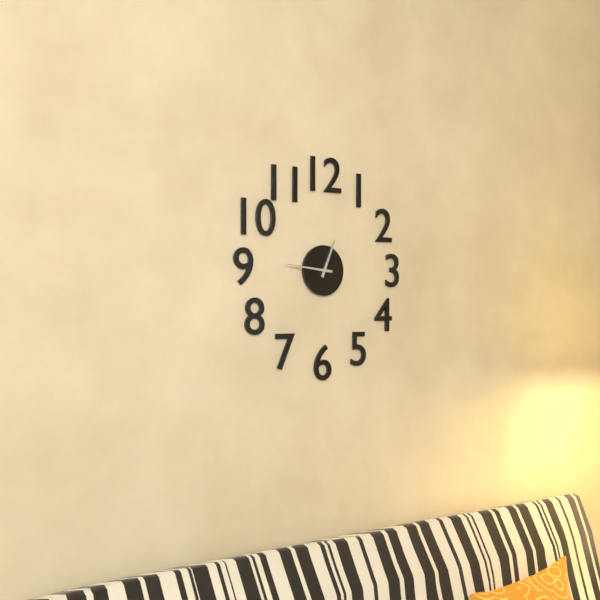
12:46
